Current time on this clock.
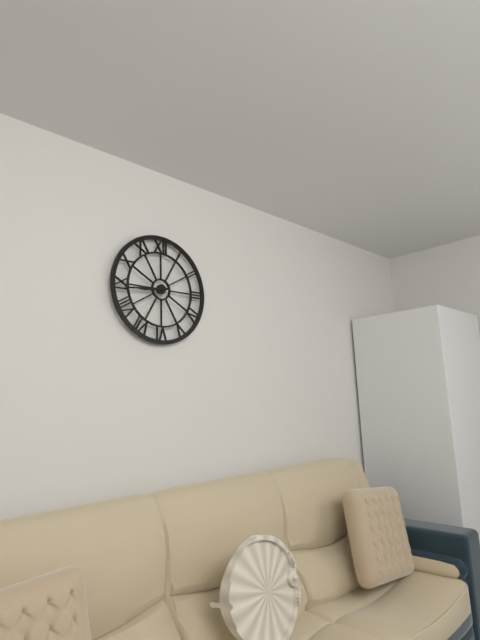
8:44
